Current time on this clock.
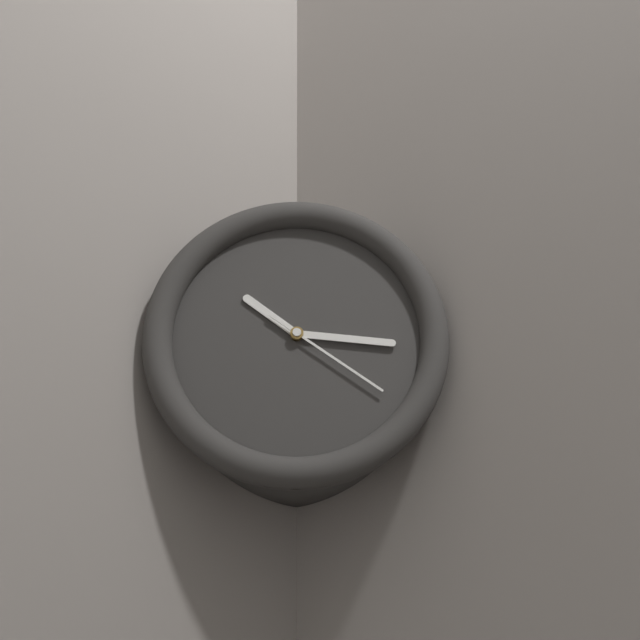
10:16:21
